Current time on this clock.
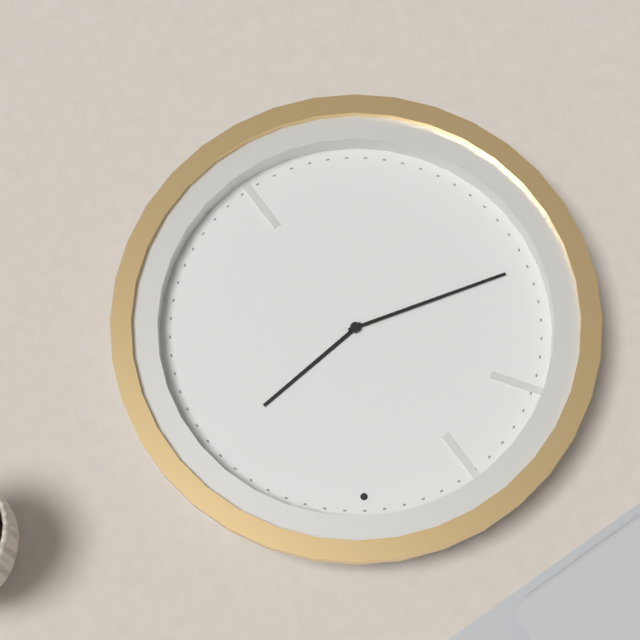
1:42
